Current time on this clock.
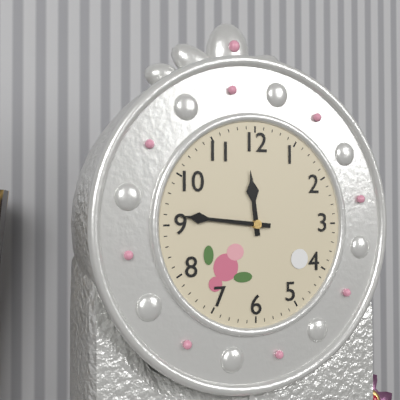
11:46
